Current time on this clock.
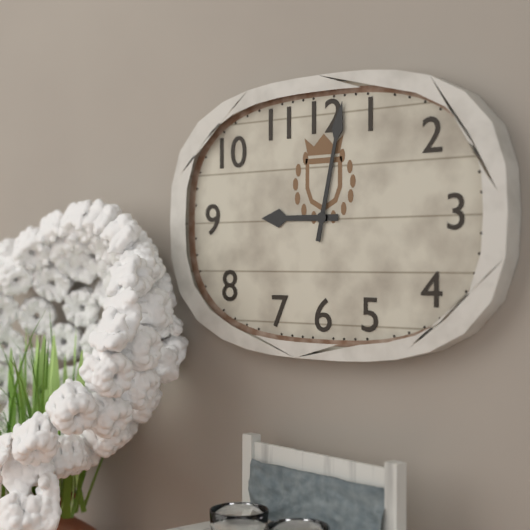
9:02
